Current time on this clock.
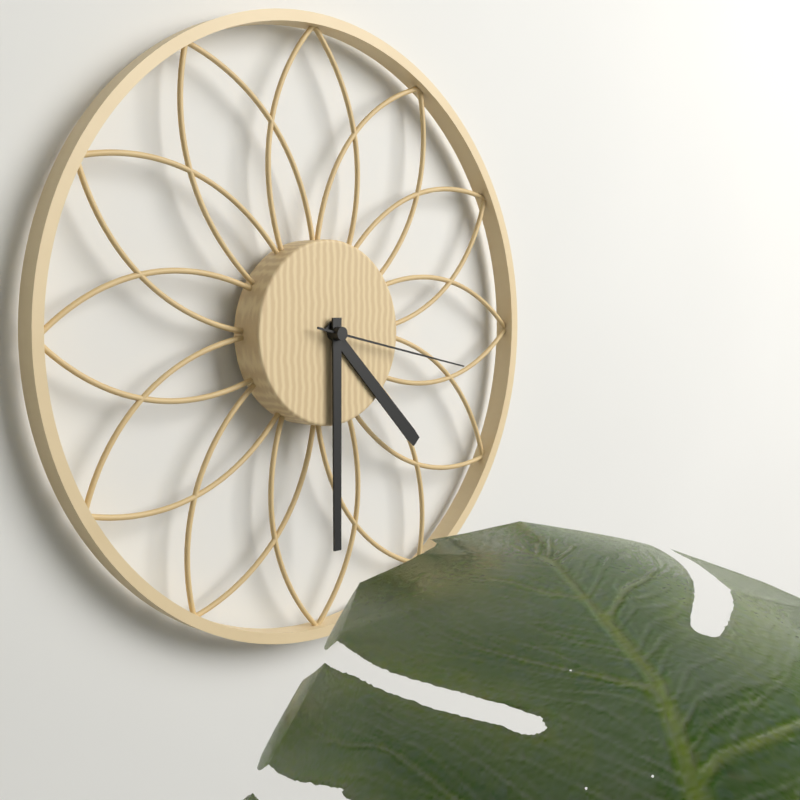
4:30:17
